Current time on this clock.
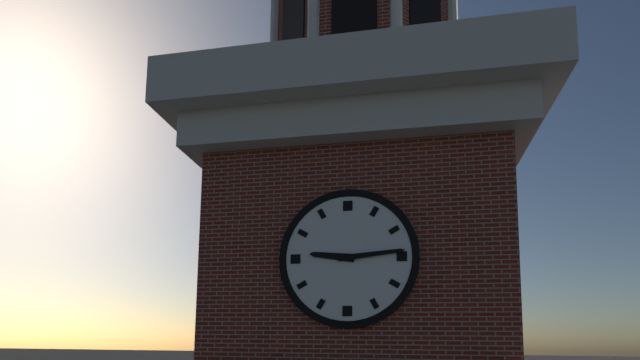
9:14
